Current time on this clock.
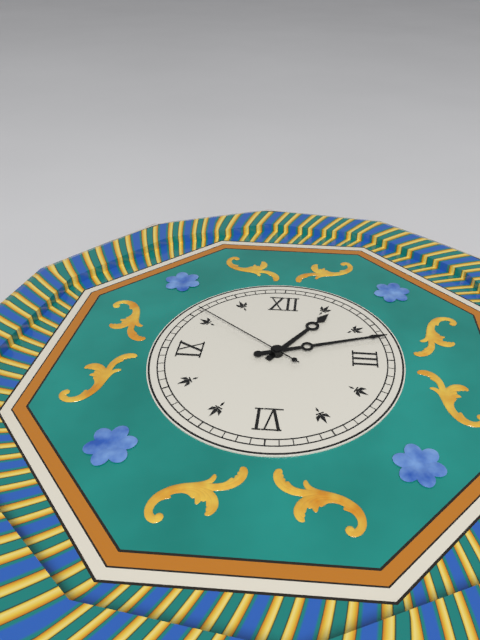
1:12:51
